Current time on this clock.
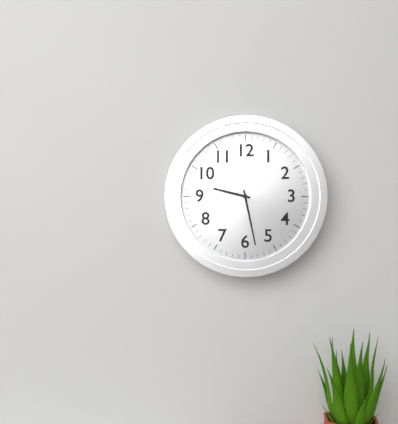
9:28
